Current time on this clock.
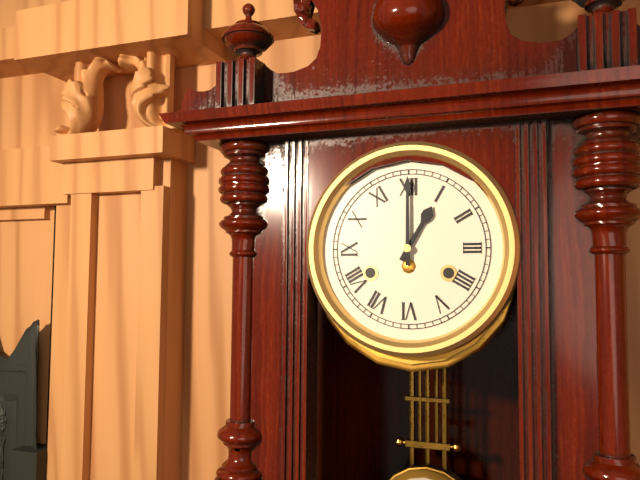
1:00
